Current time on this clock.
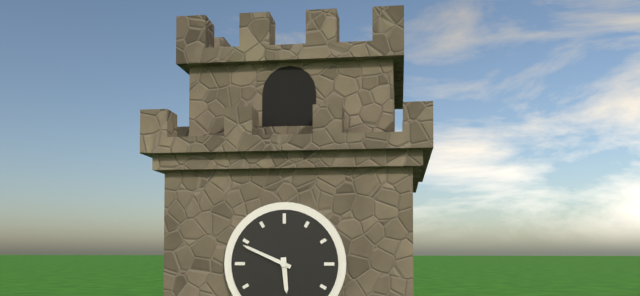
5:49
